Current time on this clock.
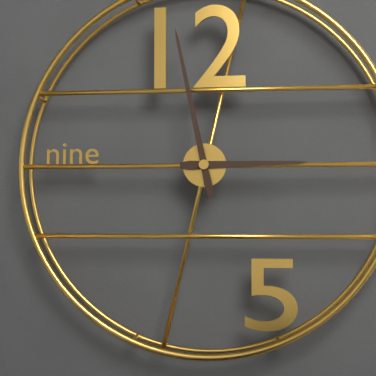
2:58
